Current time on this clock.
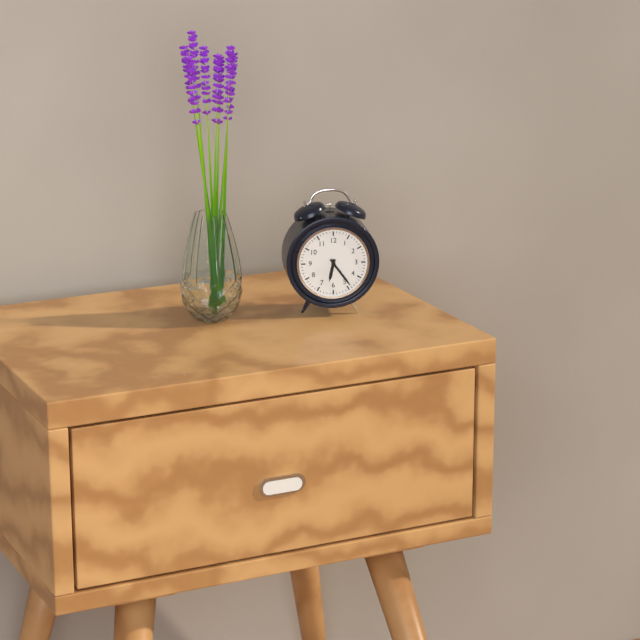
6:24
